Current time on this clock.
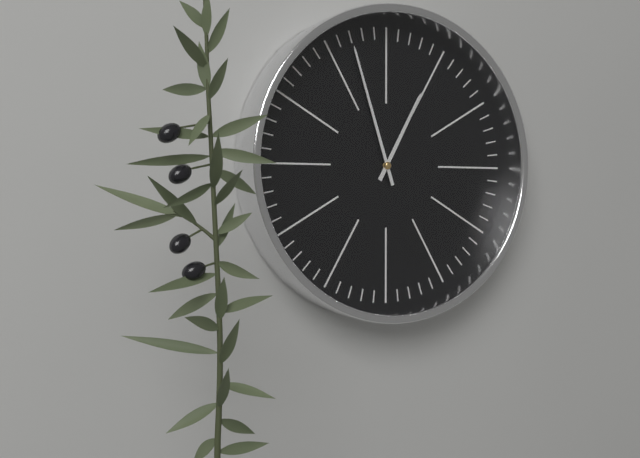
12:57
